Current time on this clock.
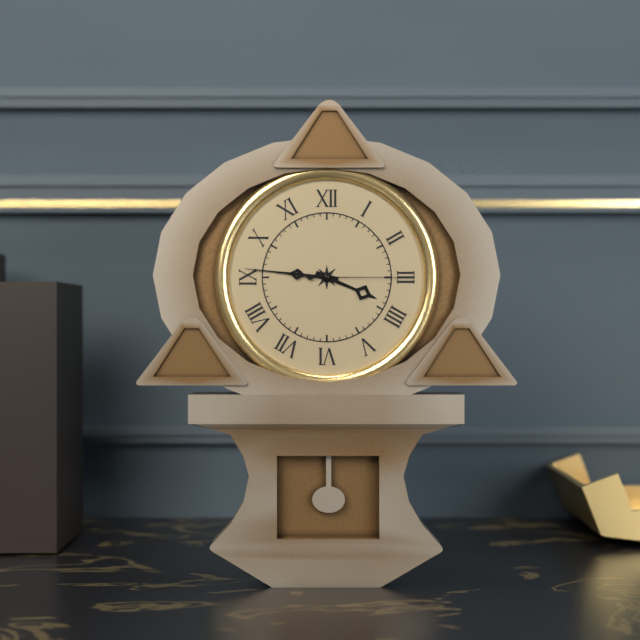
3:46:15
